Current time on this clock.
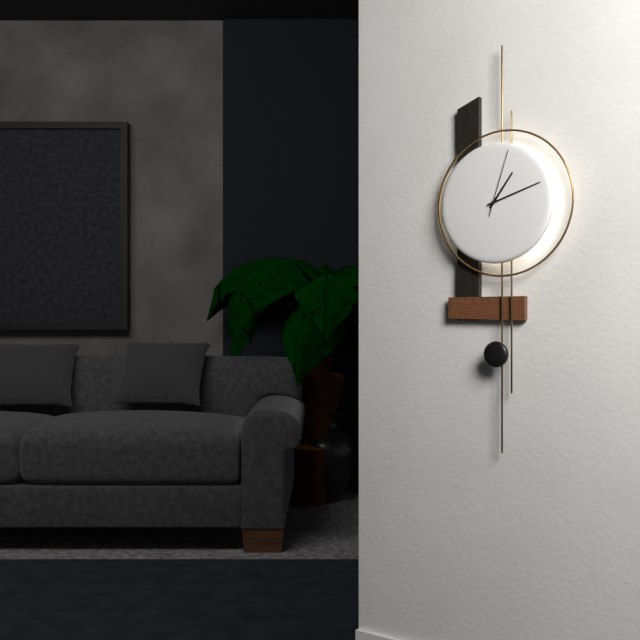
1:12:03
